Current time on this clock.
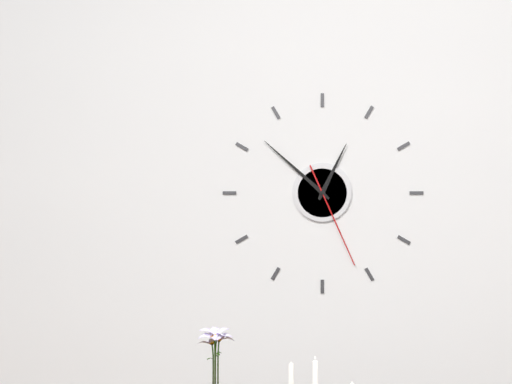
12:52:26
